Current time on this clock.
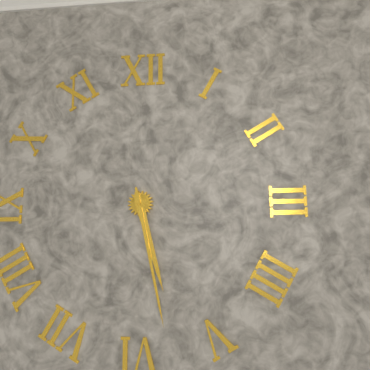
5:28
